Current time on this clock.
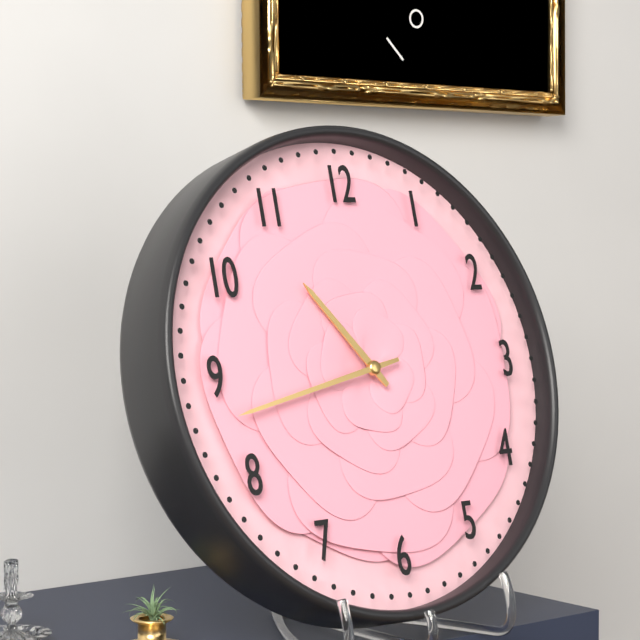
10:43
